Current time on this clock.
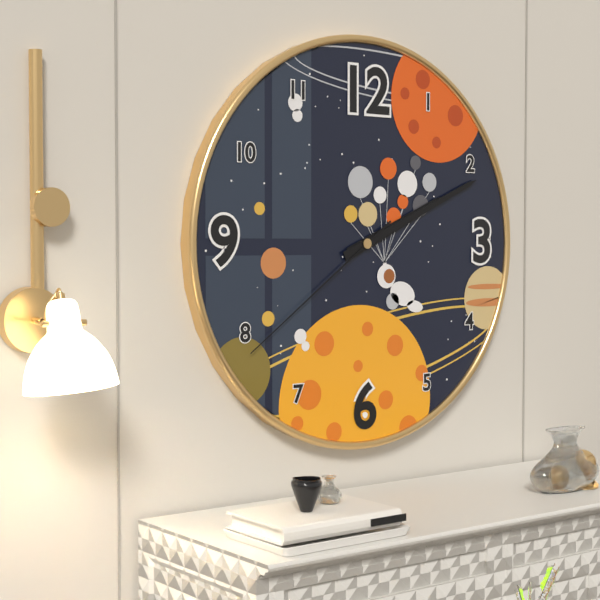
2:11:39
